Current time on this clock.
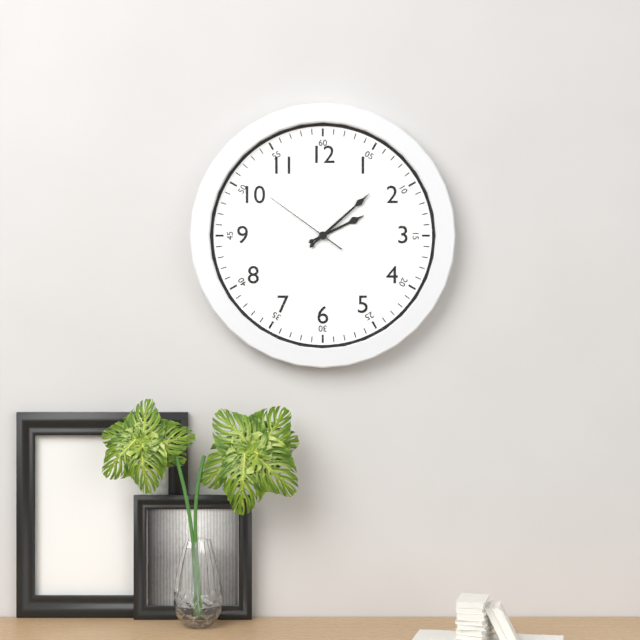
2:08:51
